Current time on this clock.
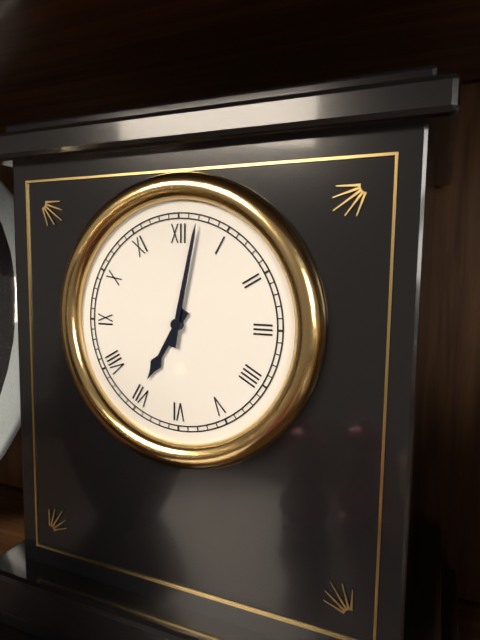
7:02
